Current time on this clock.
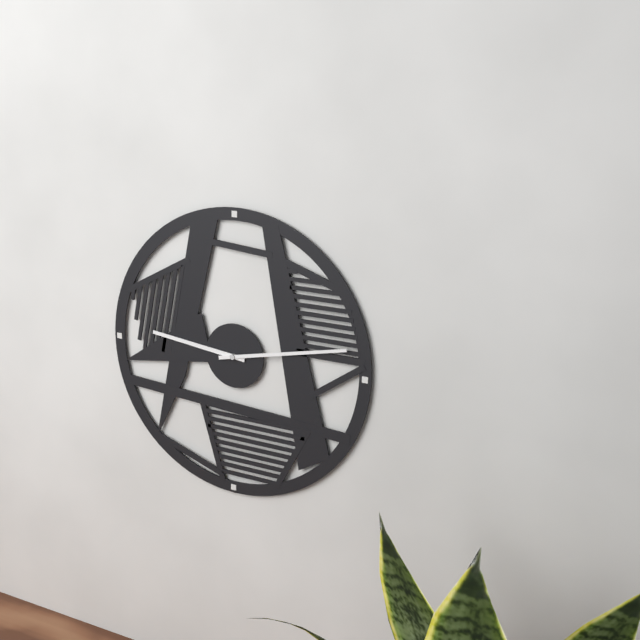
9:13
